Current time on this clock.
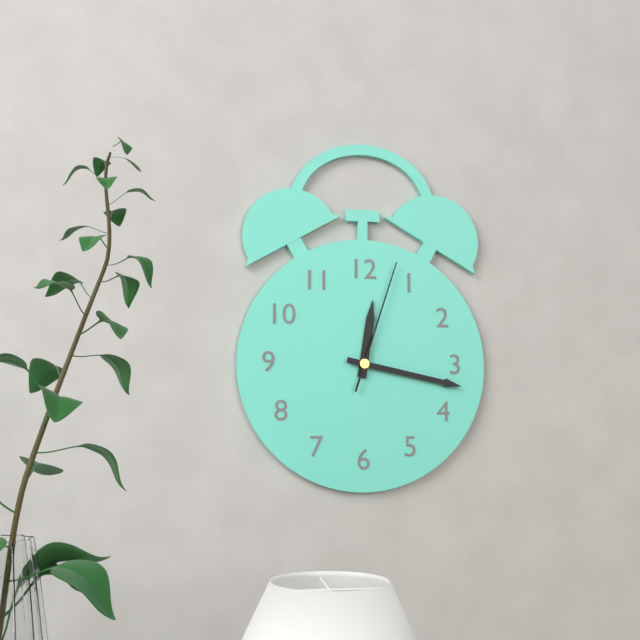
12:17:03
